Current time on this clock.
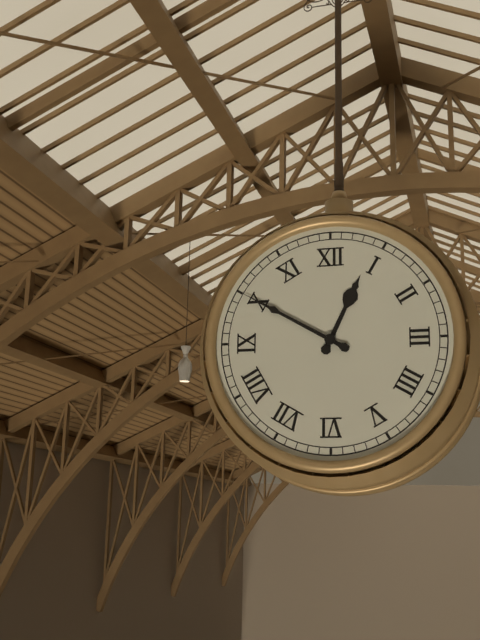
12:50
